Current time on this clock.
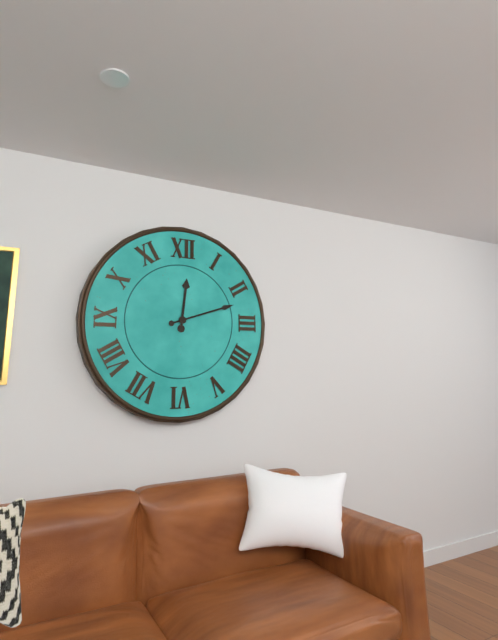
12:12
